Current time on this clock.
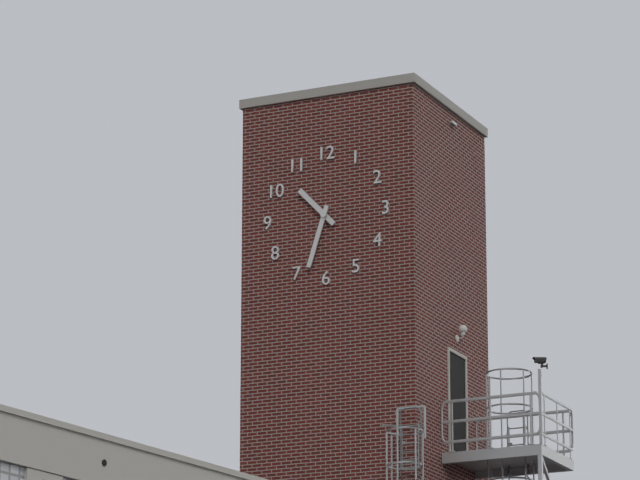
10:33
